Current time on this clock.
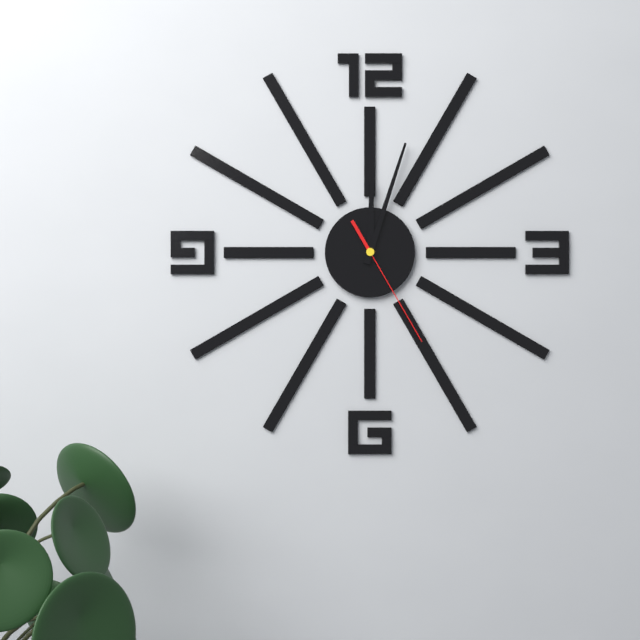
12:03:25
